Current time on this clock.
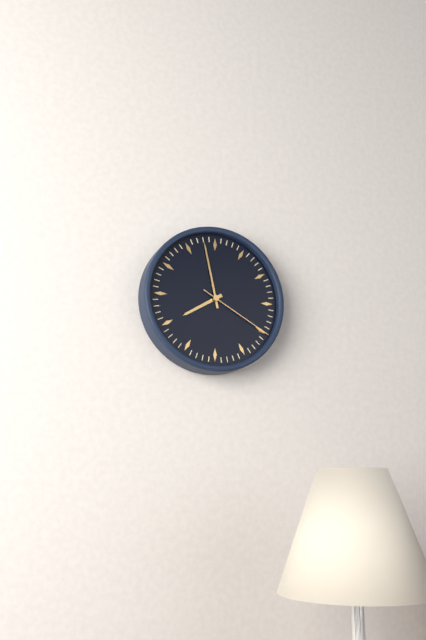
7:58:20
